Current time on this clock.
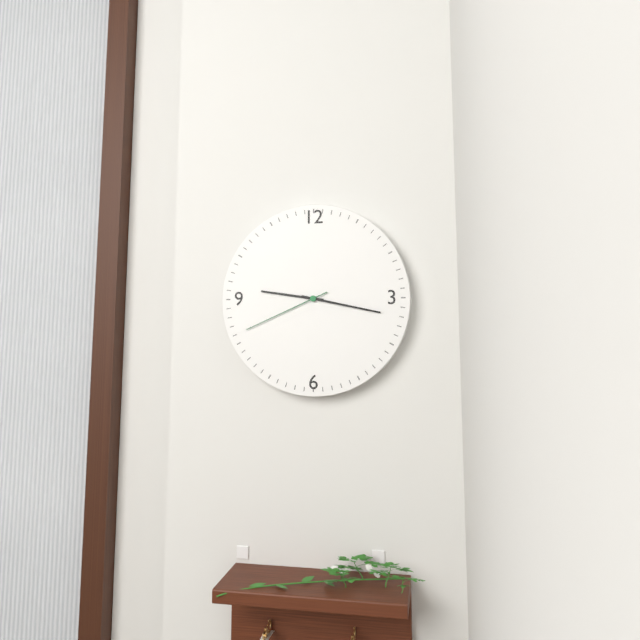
9:17:41
